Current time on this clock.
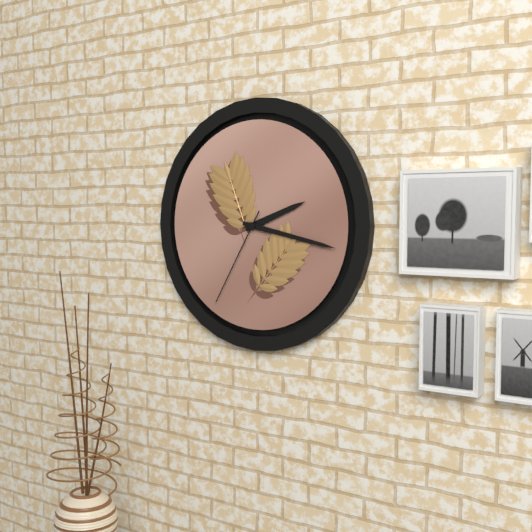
2:17:35
